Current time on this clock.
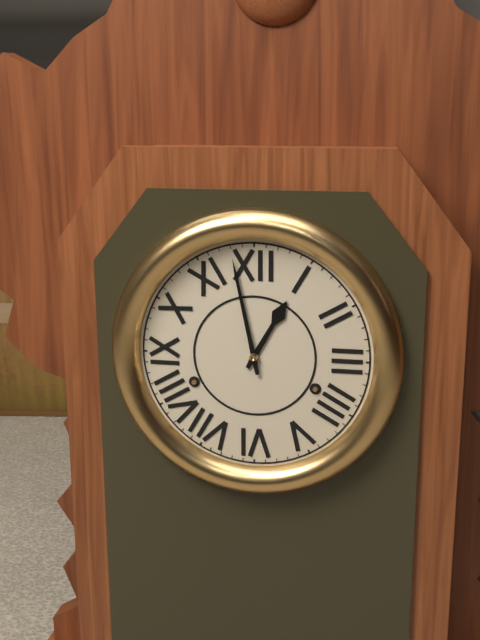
12:58
